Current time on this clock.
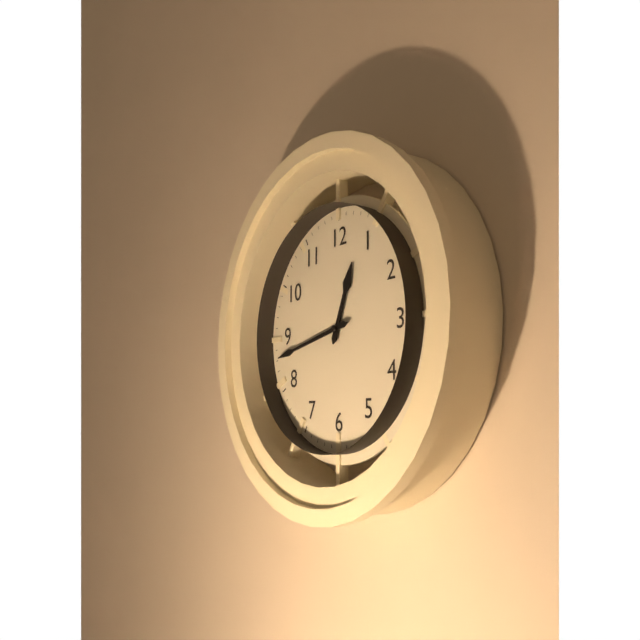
12:43
